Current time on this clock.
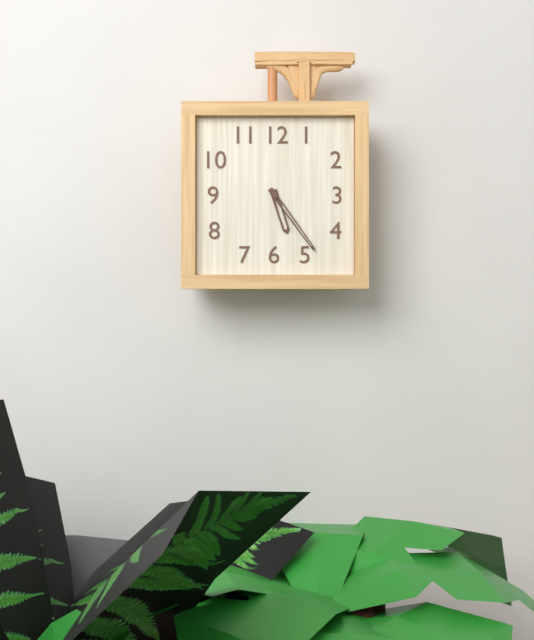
5:24
